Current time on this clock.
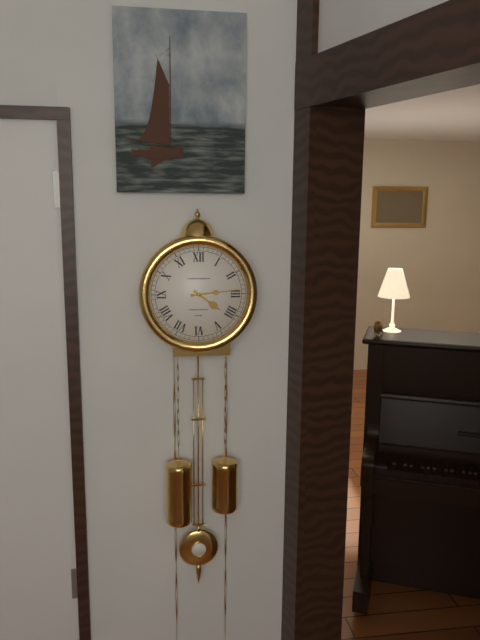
4:14
